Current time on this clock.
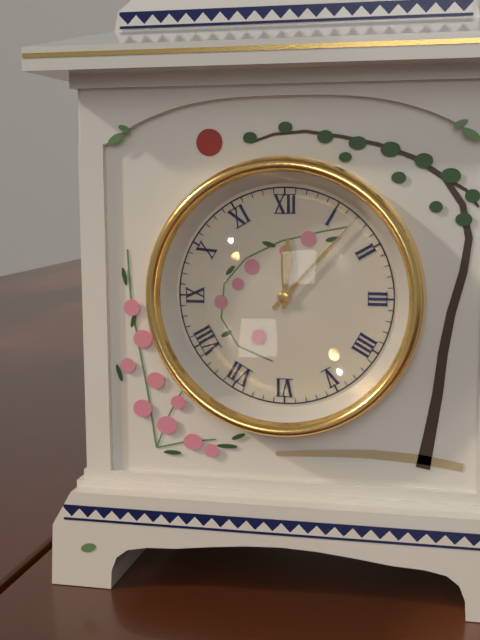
12:07
